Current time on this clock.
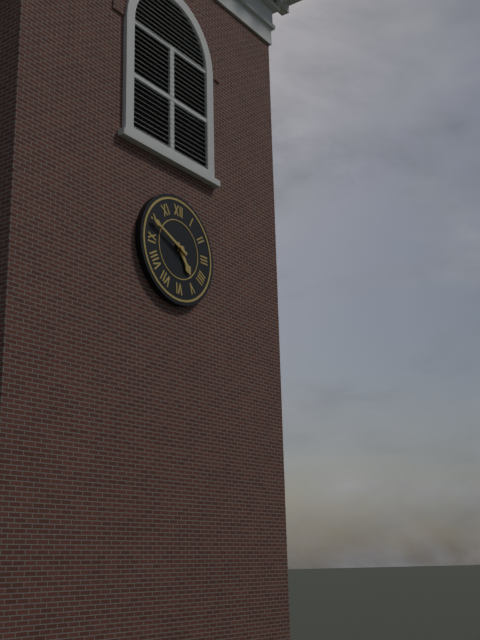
4:49
